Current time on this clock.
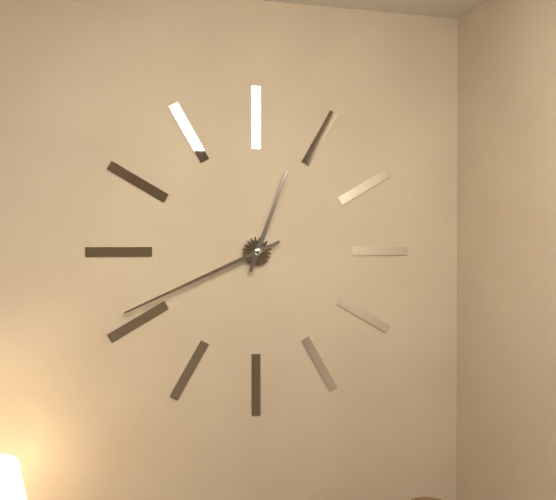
12:41
